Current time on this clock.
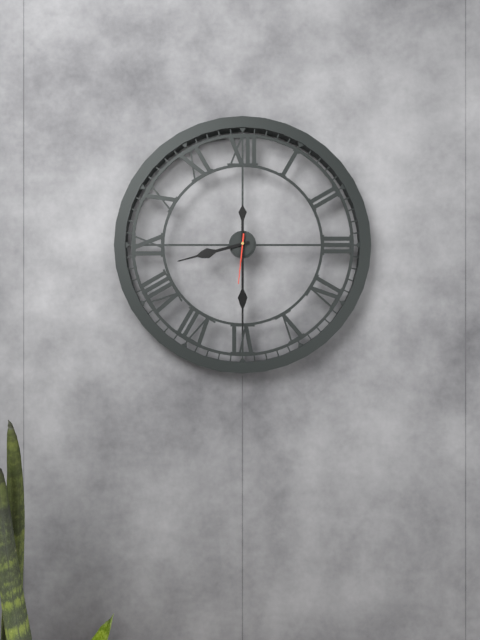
8:30:31
